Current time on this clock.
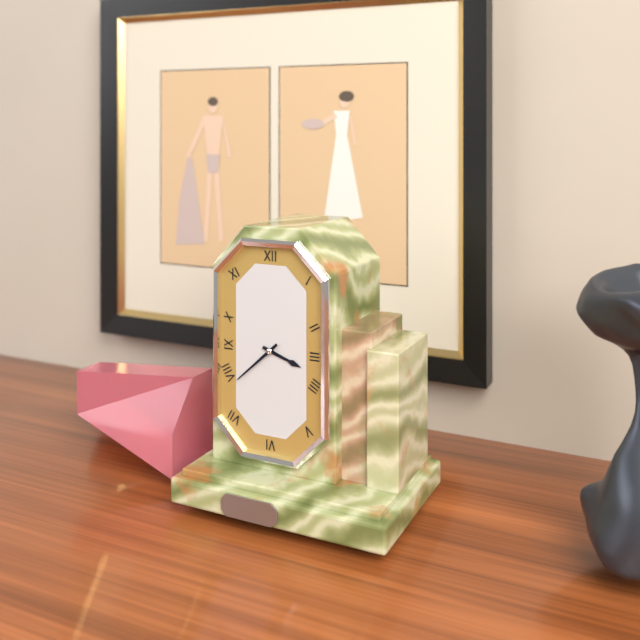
3:38
